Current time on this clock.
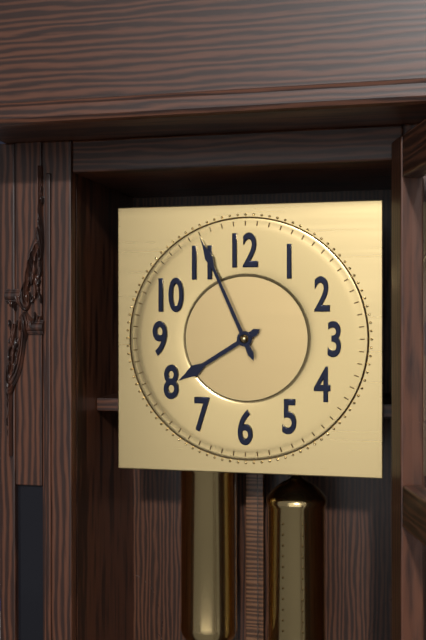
7:56
